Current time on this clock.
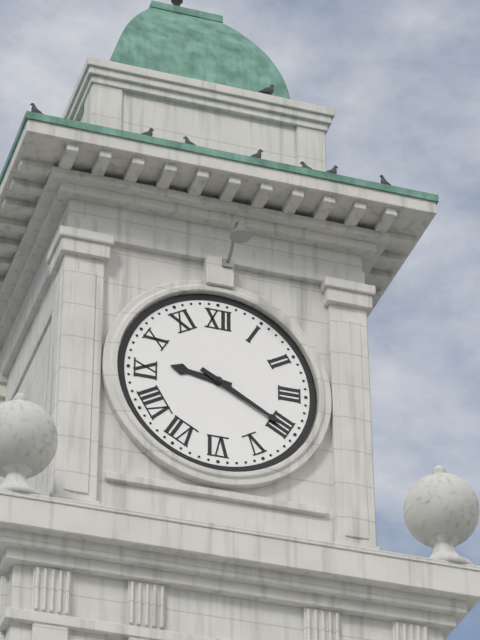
9:20
